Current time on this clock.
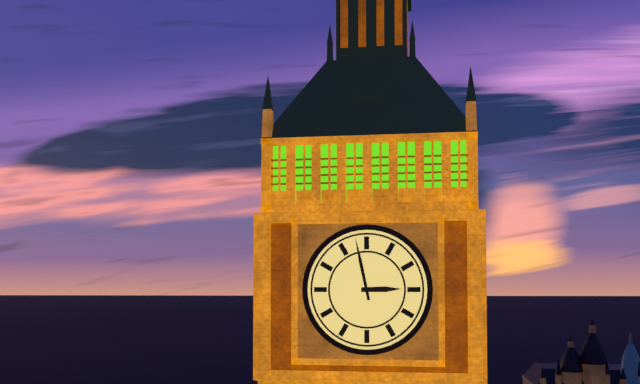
2:58
